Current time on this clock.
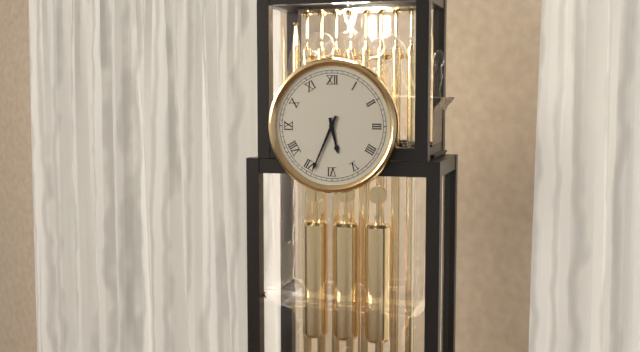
5:34
